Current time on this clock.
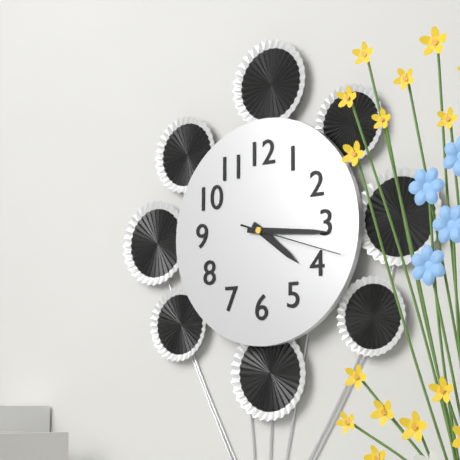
4:16:18
